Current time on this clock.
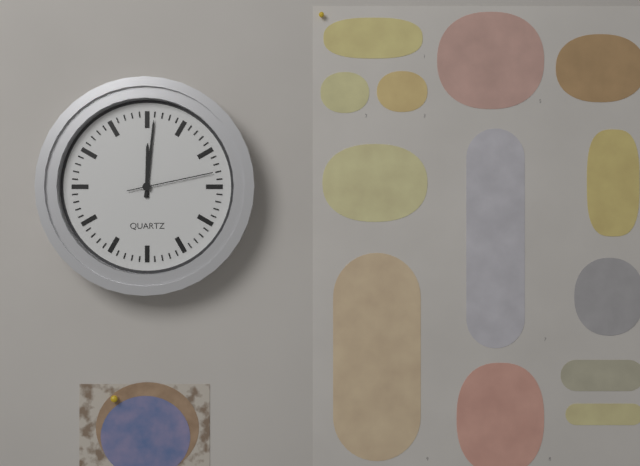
12:01:13
